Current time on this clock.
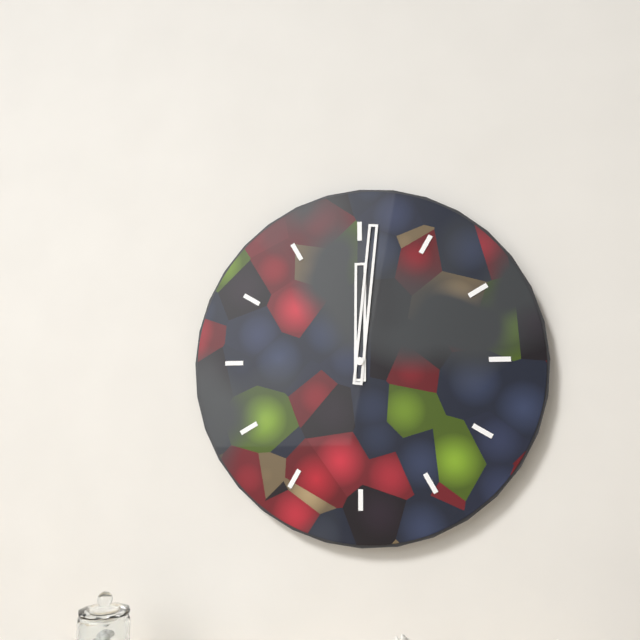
12:01
